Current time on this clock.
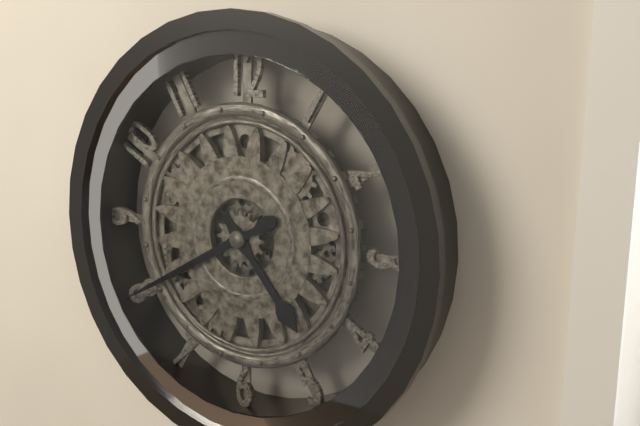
4:40
